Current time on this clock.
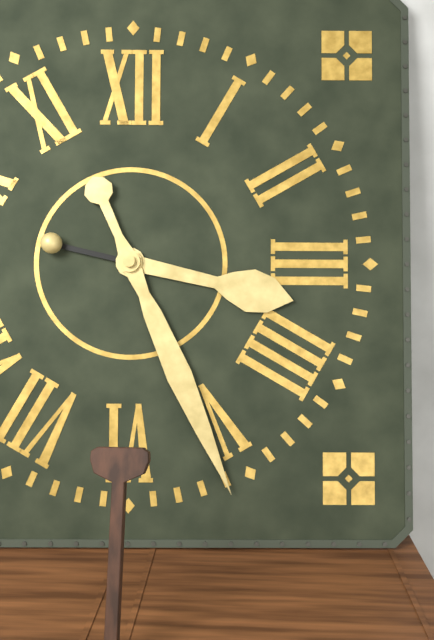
3:26
